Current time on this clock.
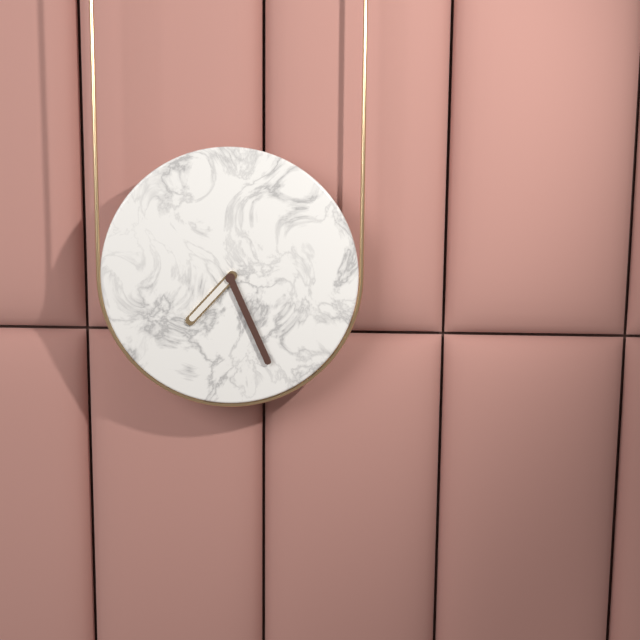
7:26
